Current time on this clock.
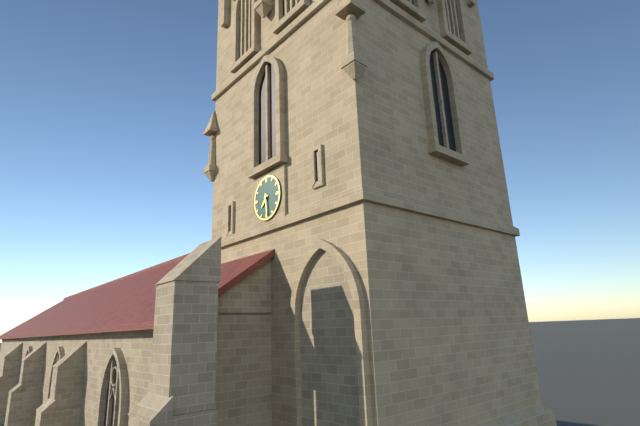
7:29
